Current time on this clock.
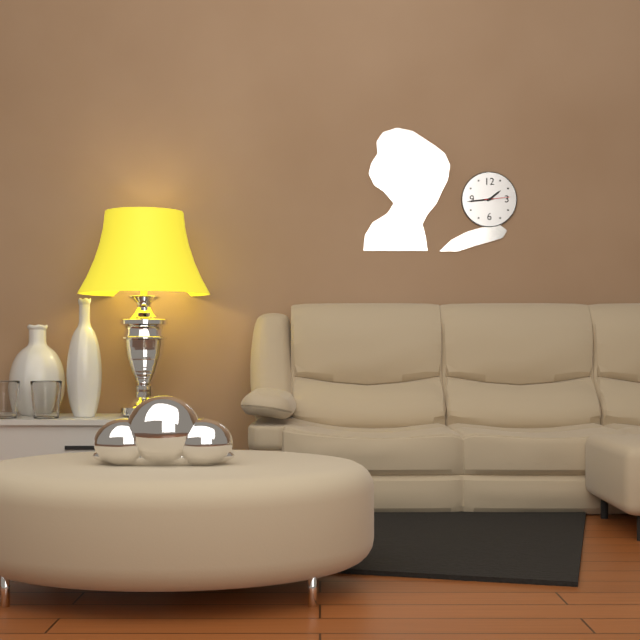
1:44
